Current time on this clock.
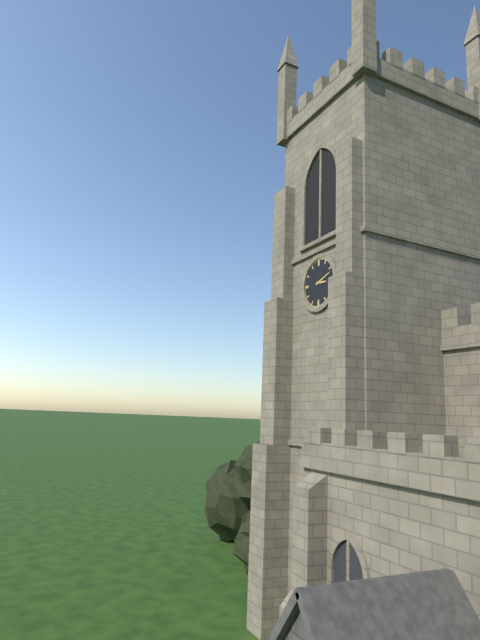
3:12
